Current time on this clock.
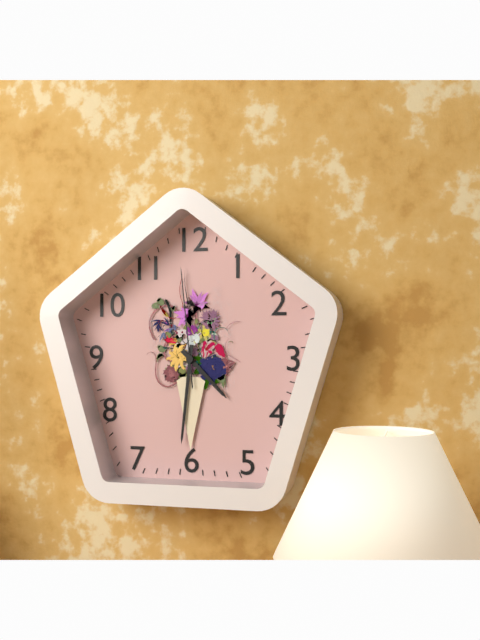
4:31:59
